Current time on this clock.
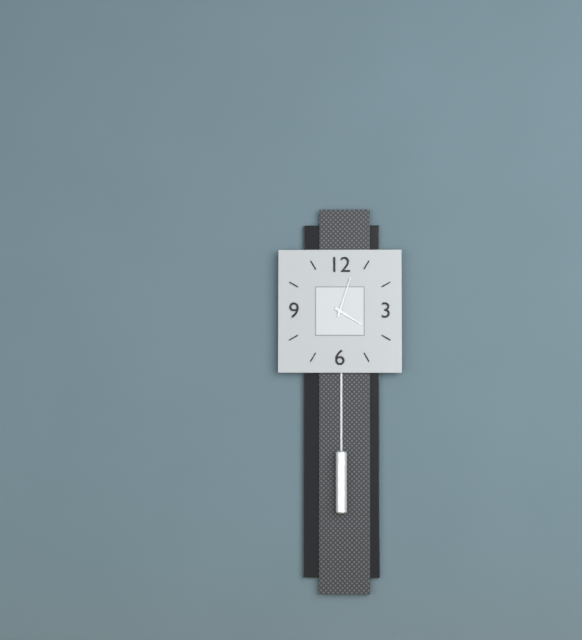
4:03
